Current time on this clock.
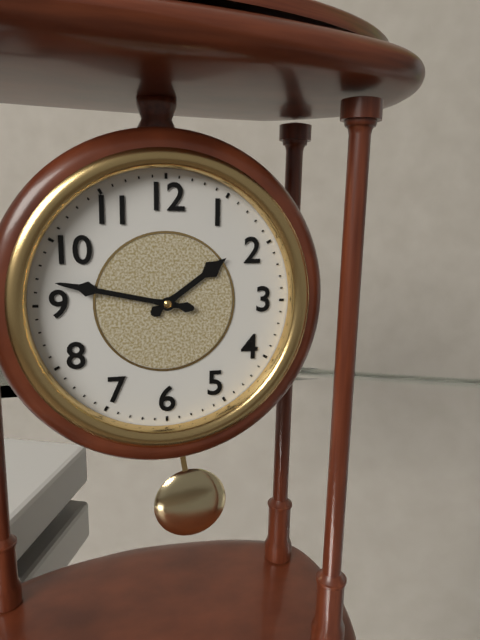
1:47
